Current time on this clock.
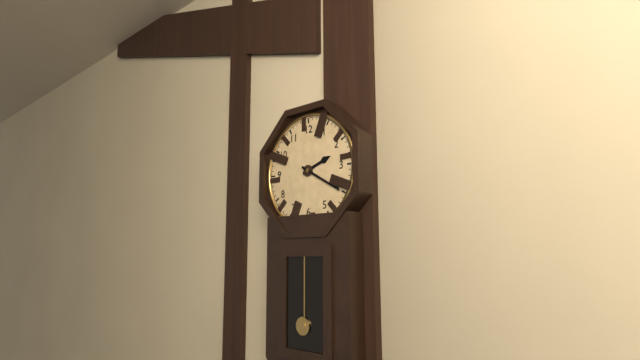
2:20
